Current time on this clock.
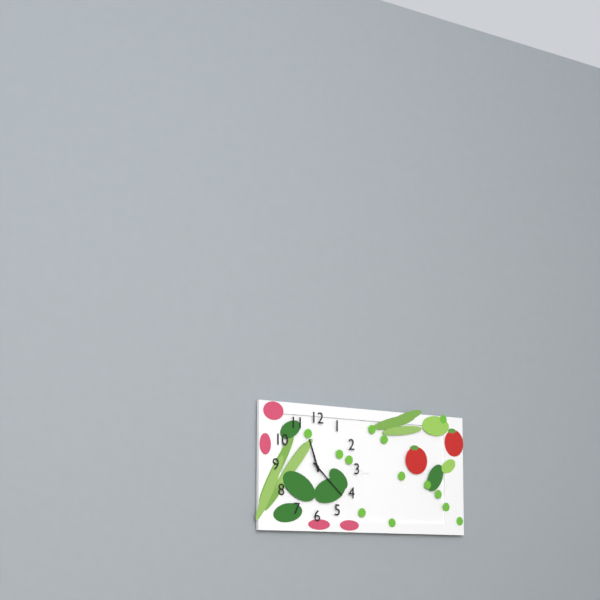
11:22
